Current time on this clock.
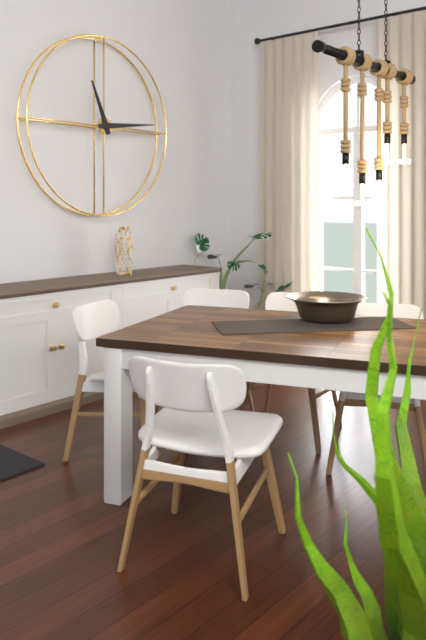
11:14
